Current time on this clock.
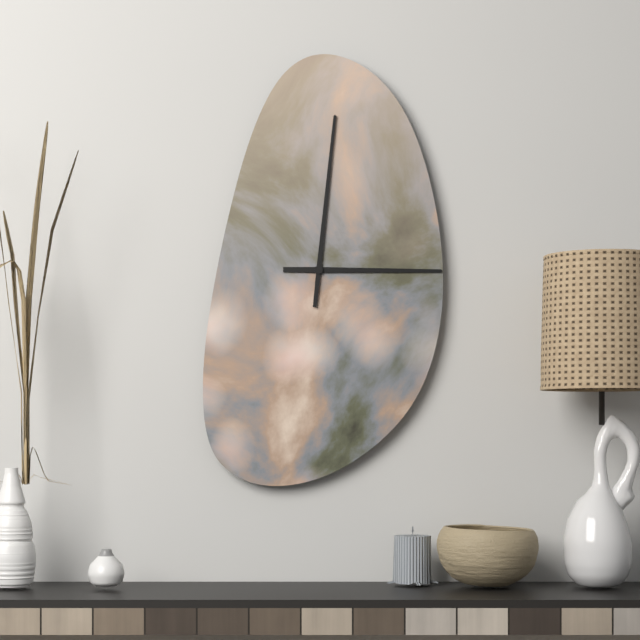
3:01
